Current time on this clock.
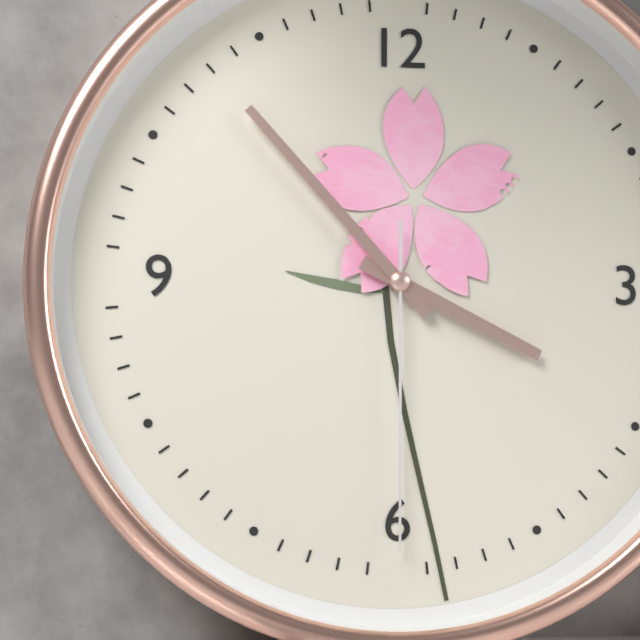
3:53:30
